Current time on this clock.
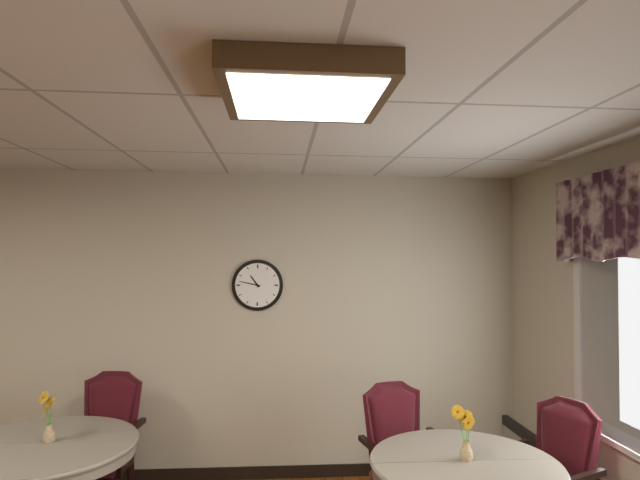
10:47
